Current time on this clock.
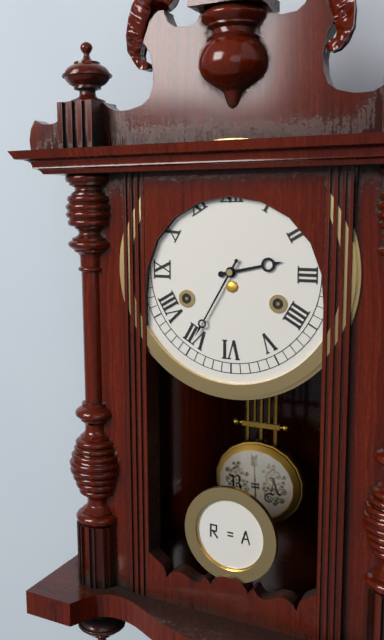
2:35
